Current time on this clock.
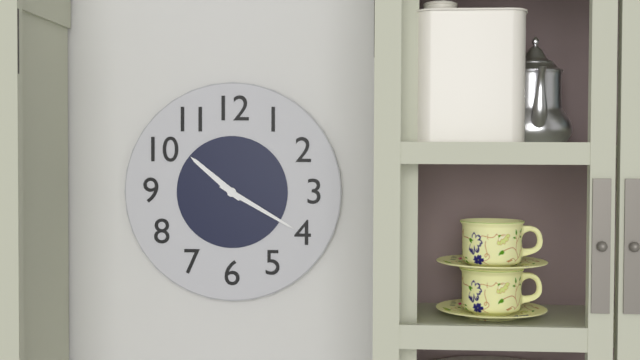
10:20
